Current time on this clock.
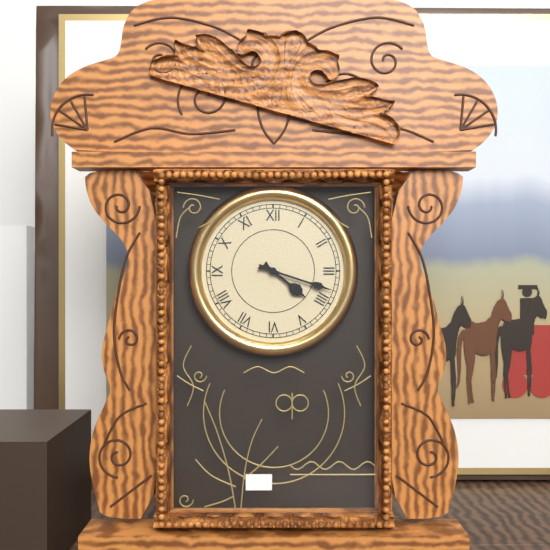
4:18
